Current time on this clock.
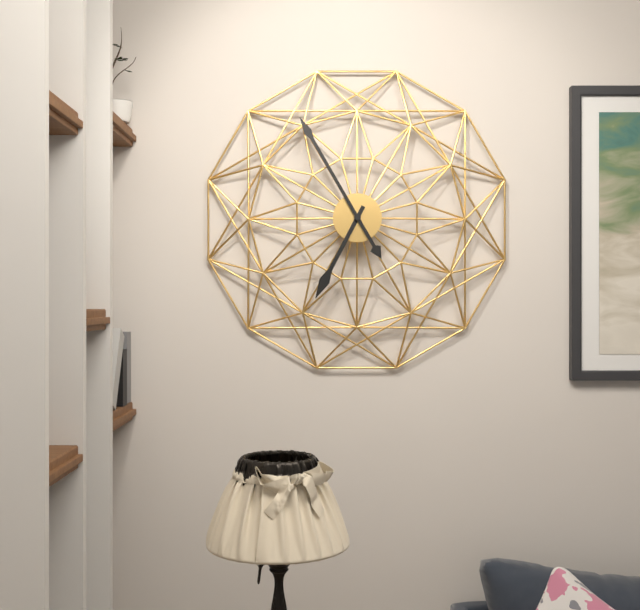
6:55
